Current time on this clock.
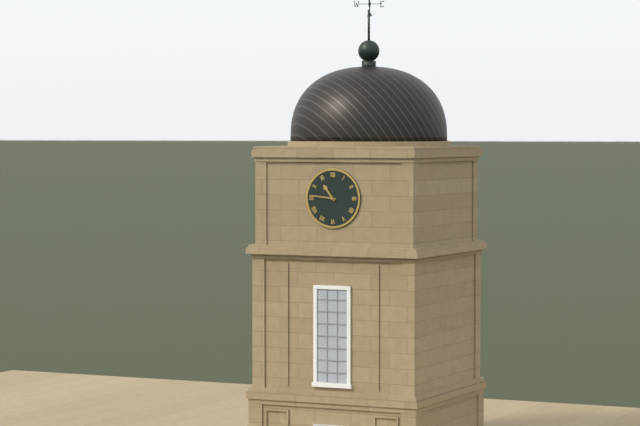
10:46
